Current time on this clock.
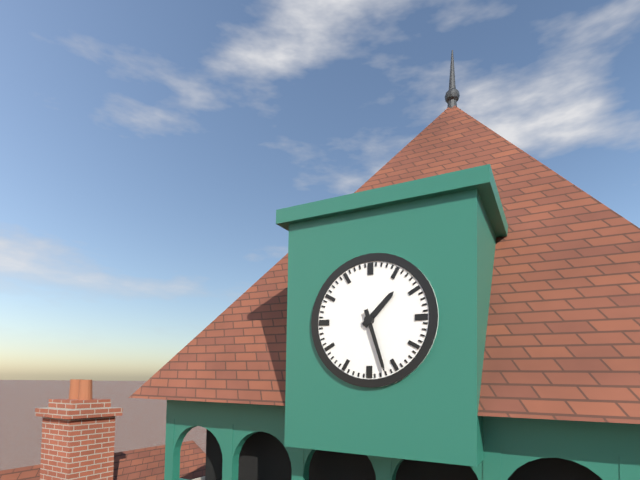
1:27
